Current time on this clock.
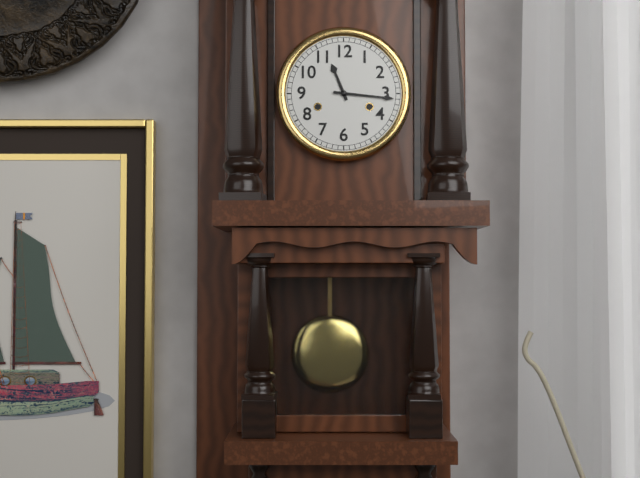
11:16
